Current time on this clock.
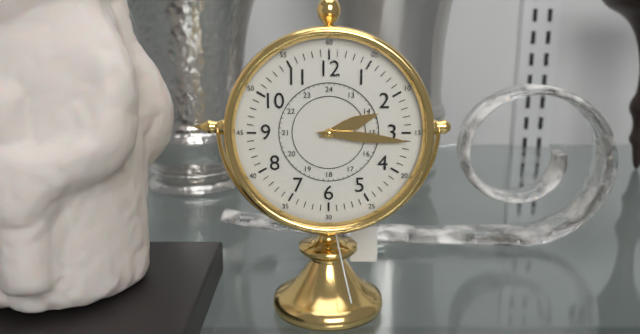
2:16
